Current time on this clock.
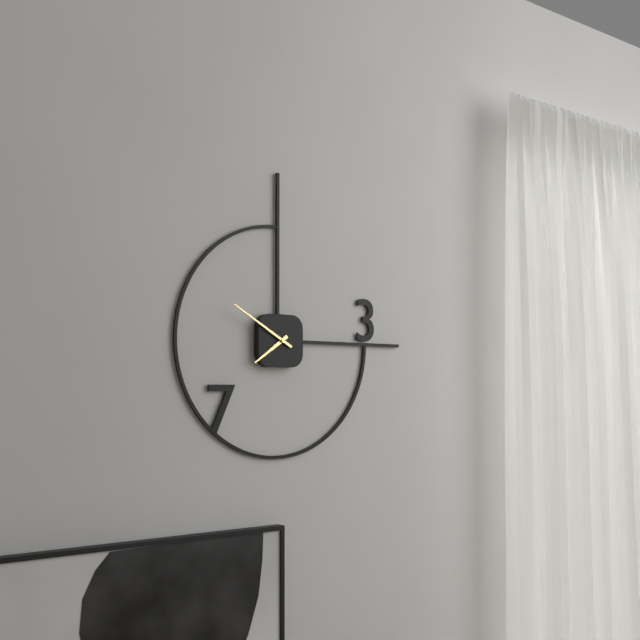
7:50
